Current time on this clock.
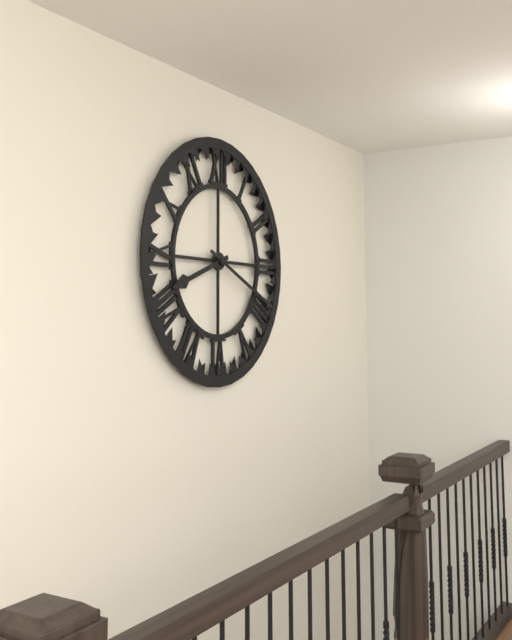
8:19
